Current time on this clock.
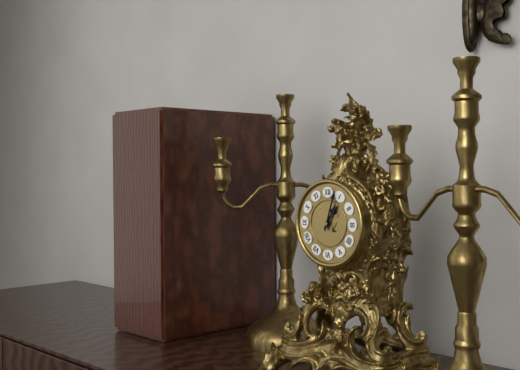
1:03
